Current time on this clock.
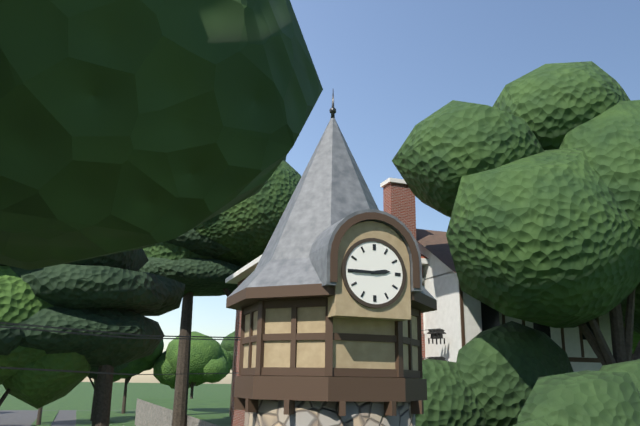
2:45
